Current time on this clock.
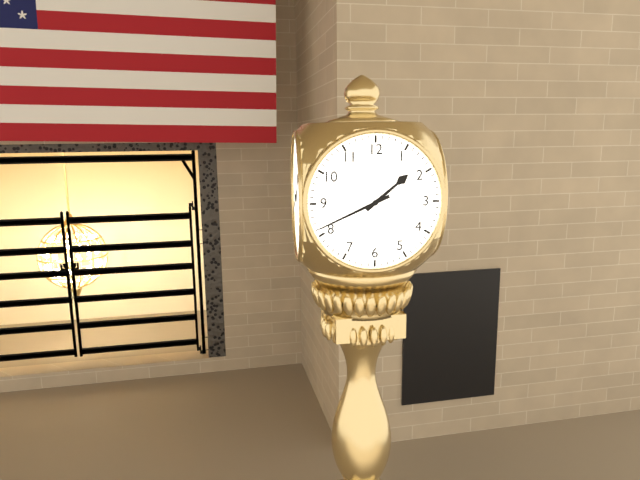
1:41
